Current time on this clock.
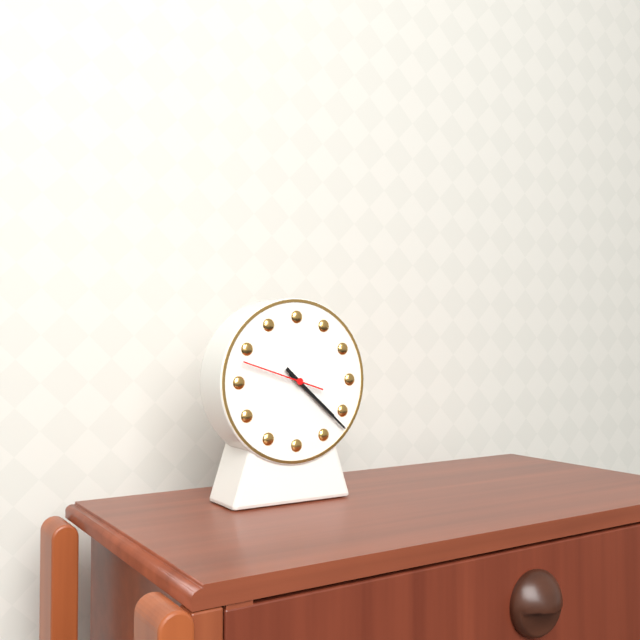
4:22:48
